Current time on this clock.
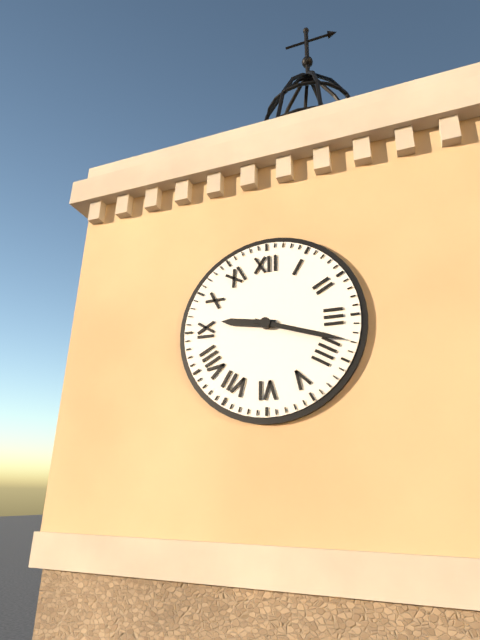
9:18
